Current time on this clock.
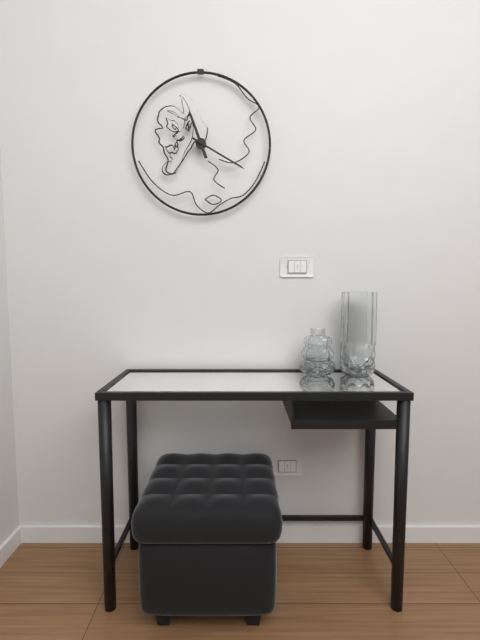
11:20
